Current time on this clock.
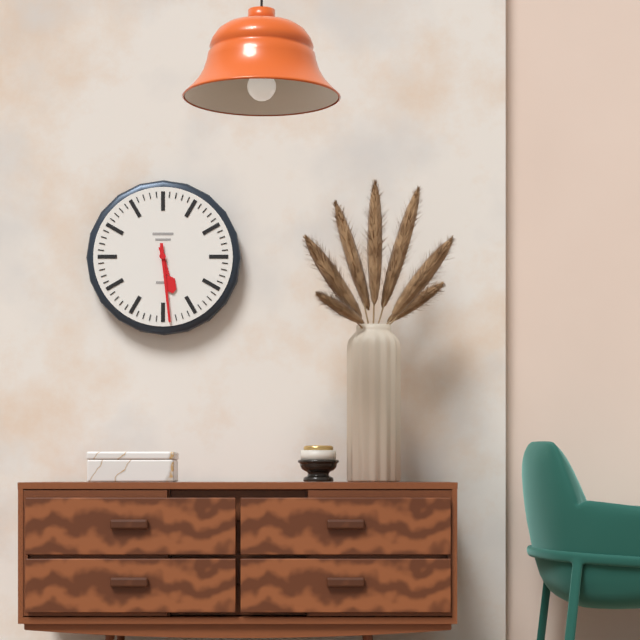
5:29
